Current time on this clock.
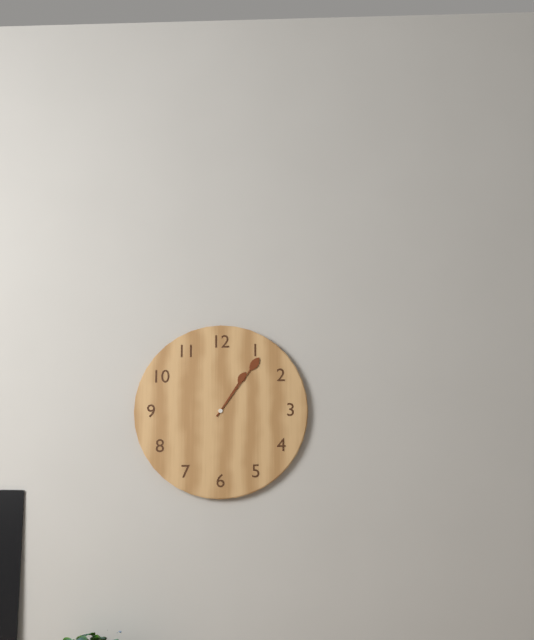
1:06
